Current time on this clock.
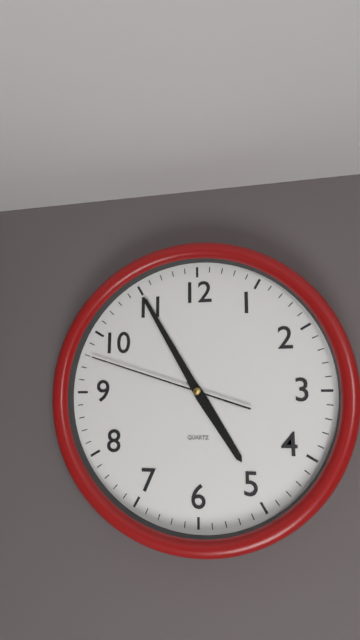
4:55:48
